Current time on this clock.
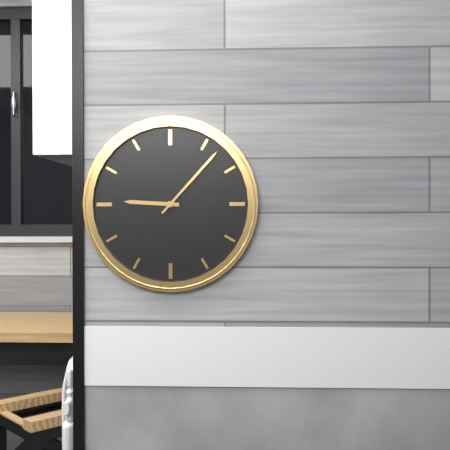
9:07
